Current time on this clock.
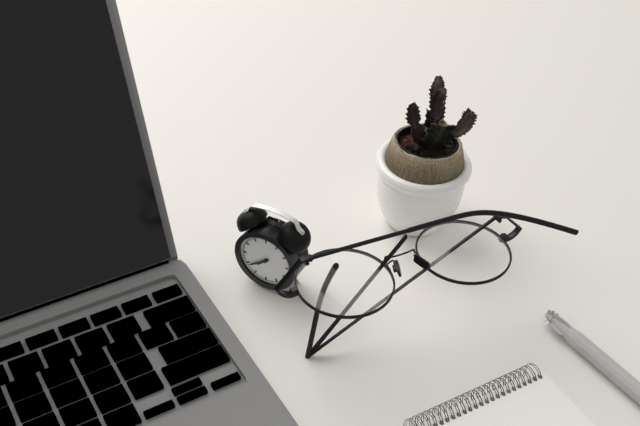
7:39
